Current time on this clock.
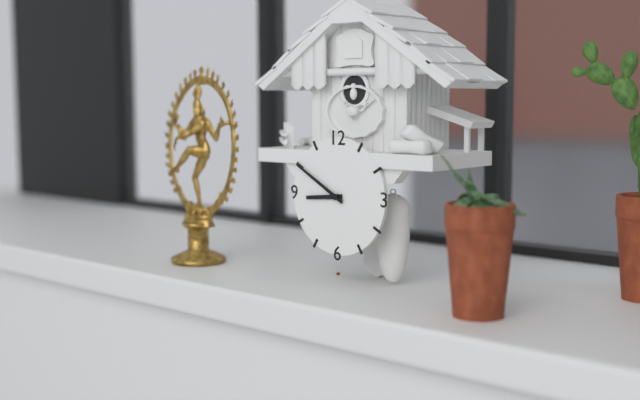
8:50
